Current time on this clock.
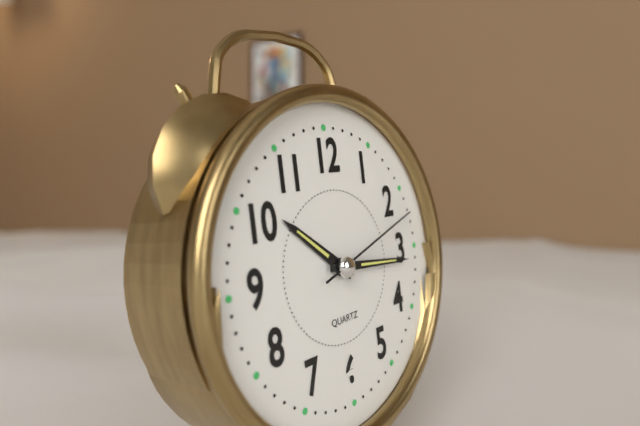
10:16:12
